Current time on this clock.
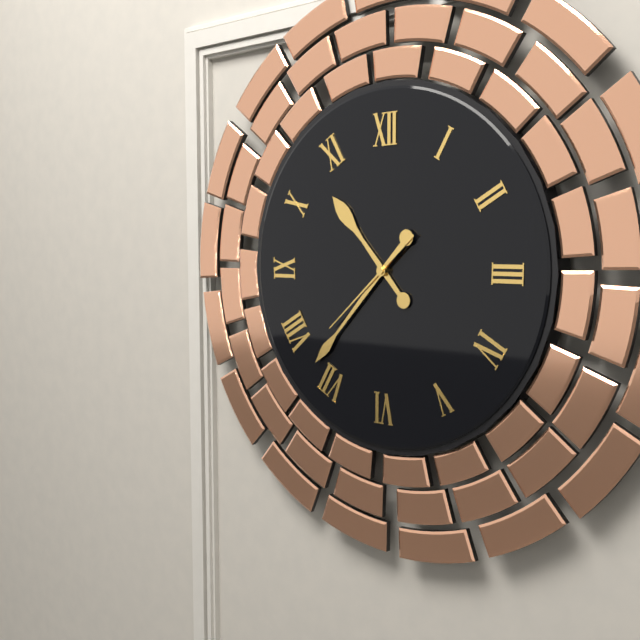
10:37:38
